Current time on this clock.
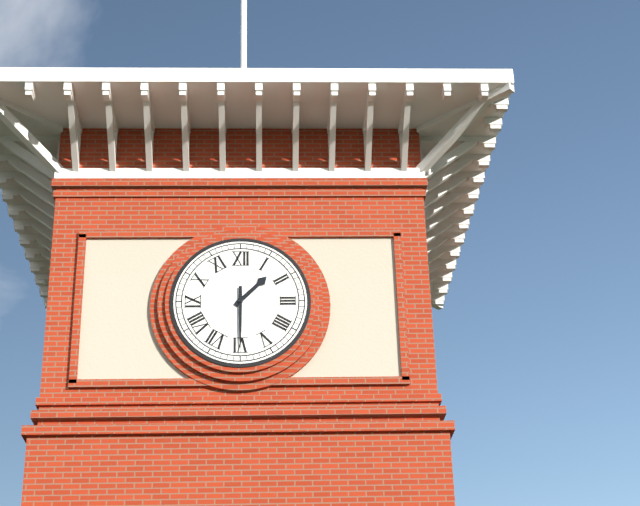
1:30
